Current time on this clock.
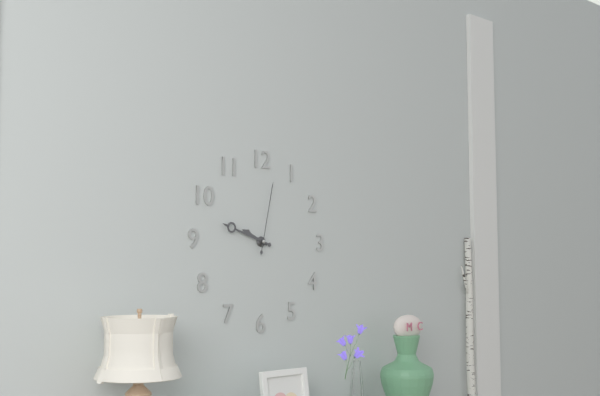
9:48:02
